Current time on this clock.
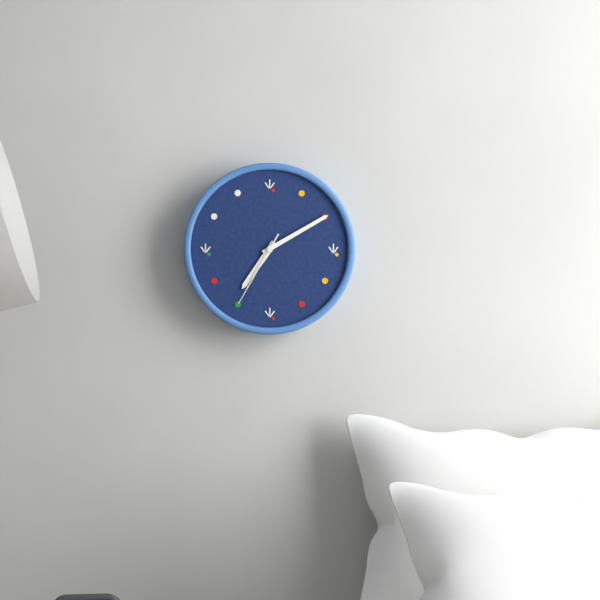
7:10:35
